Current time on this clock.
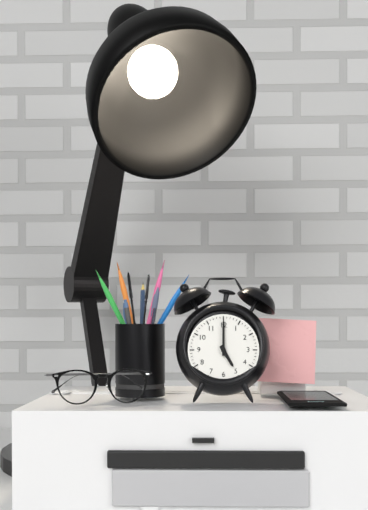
5:00
